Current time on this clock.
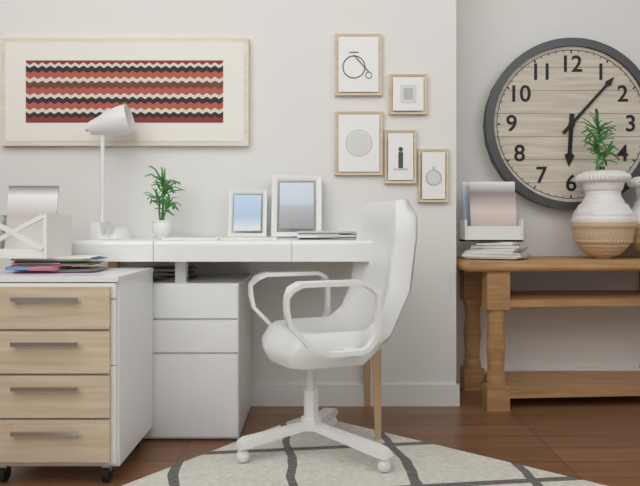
6:07
